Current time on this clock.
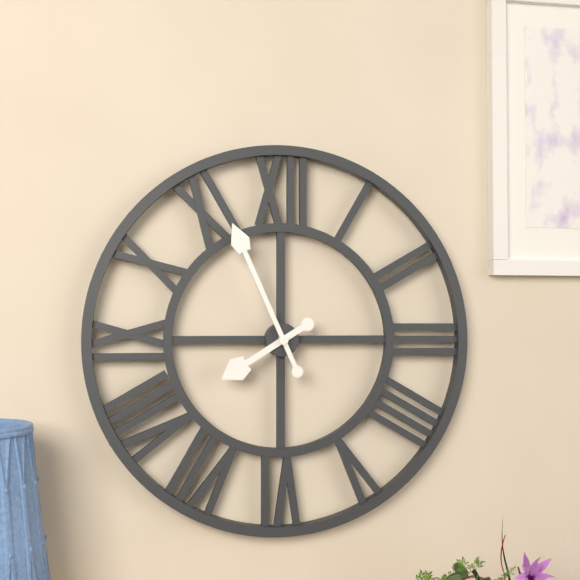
7:56
